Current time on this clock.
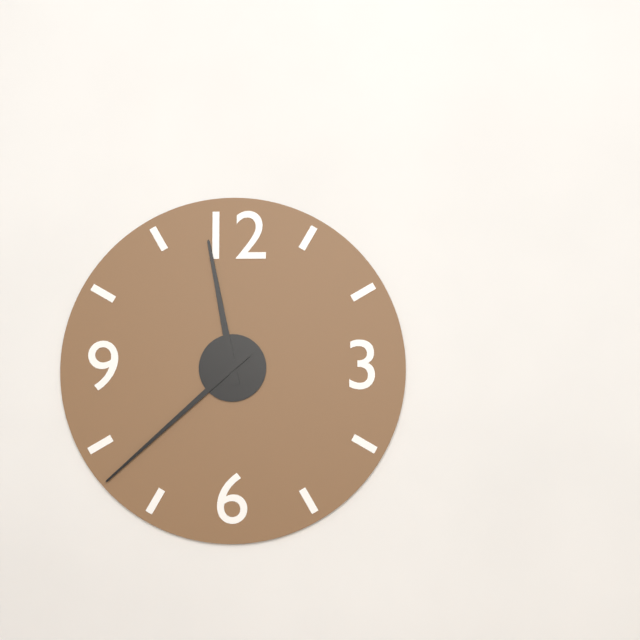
11:38
